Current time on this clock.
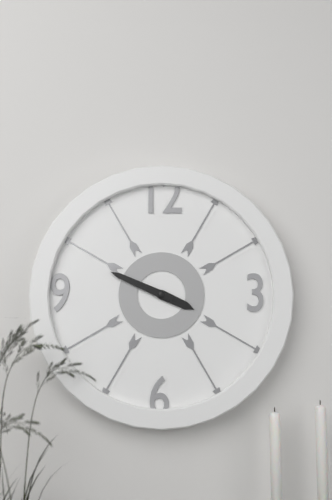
3:49
